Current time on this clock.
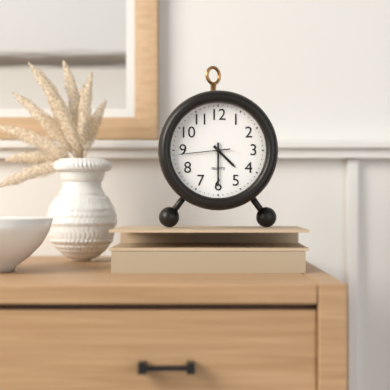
4:30
